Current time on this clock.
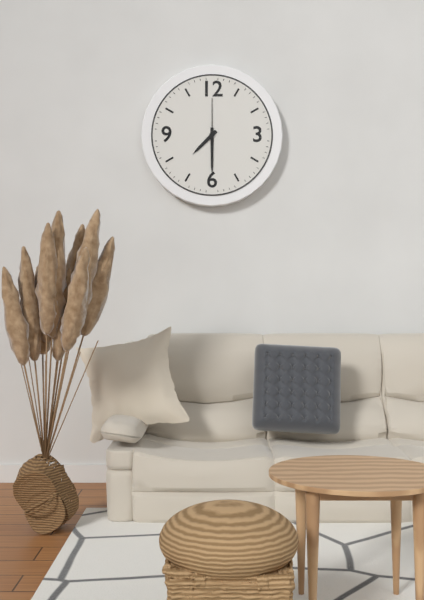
7:30
